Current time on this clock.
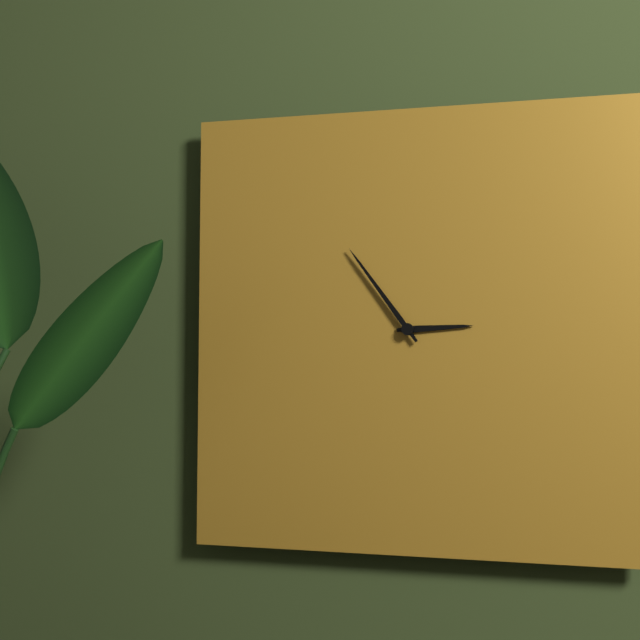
2:54
